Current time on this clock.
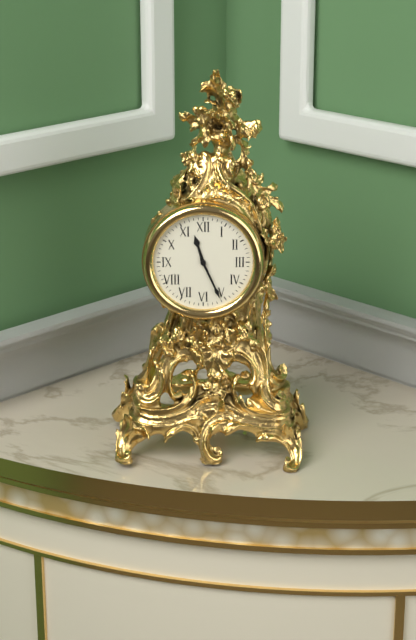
11:26
